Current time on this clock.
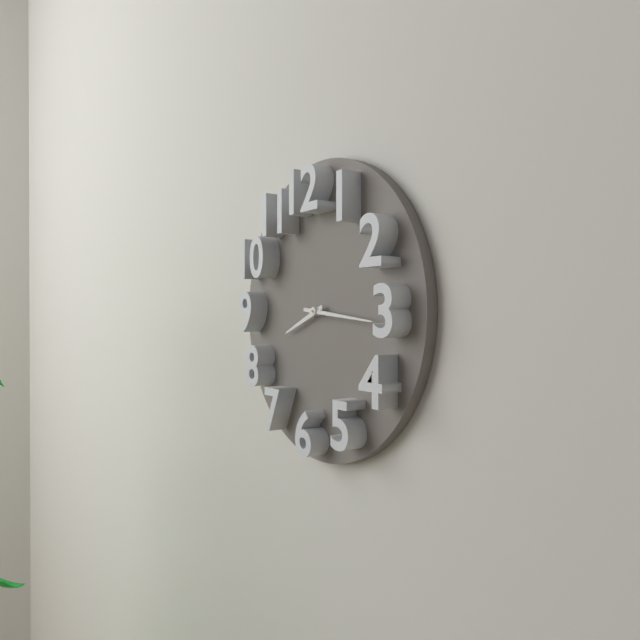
8:16
